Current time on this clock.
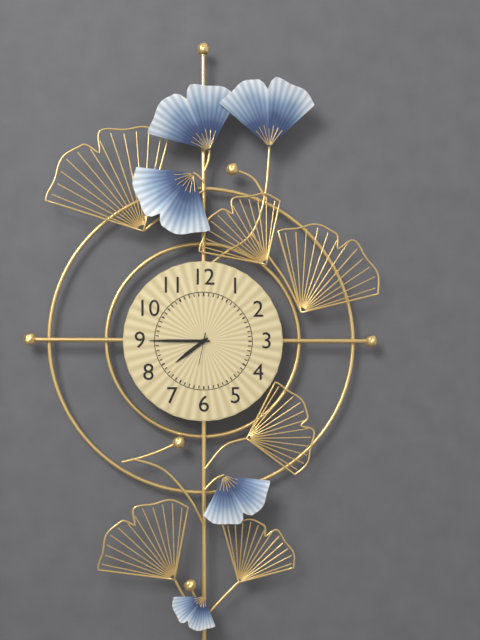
7:45
